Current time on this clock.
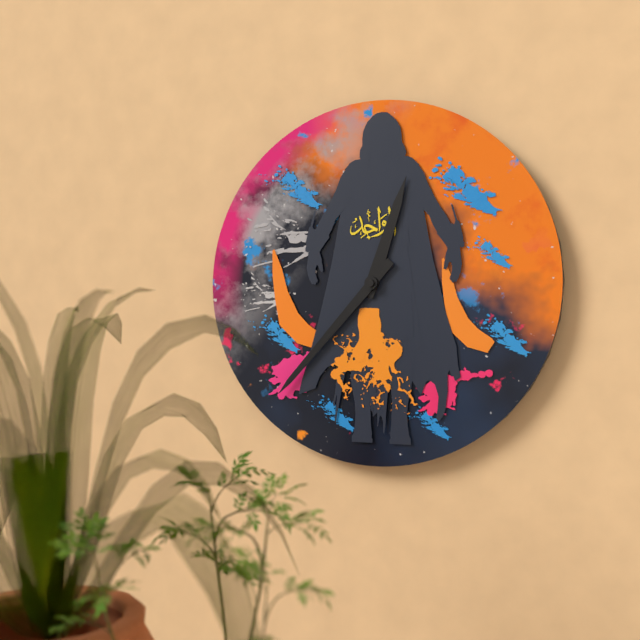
12:37
